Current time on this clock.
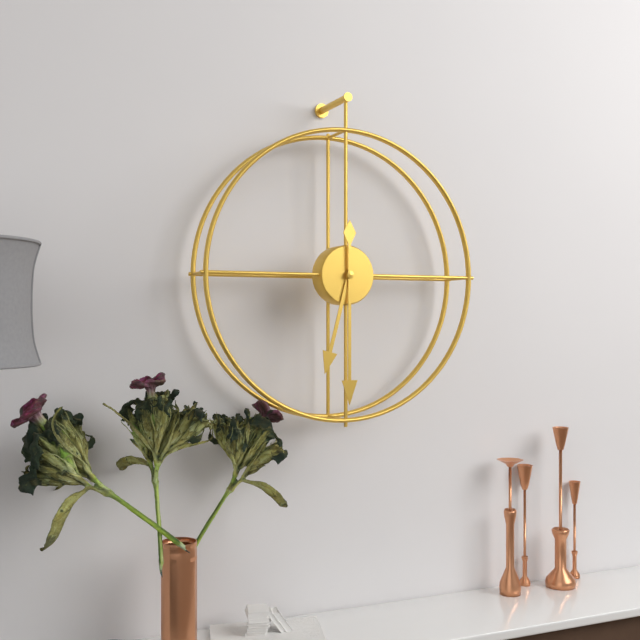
6:30
